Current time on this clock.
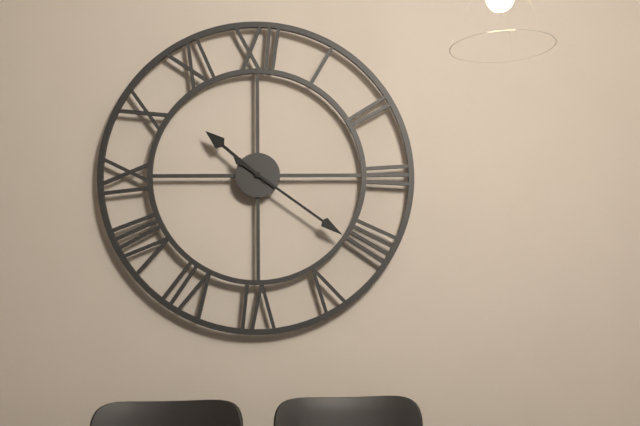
10:21
